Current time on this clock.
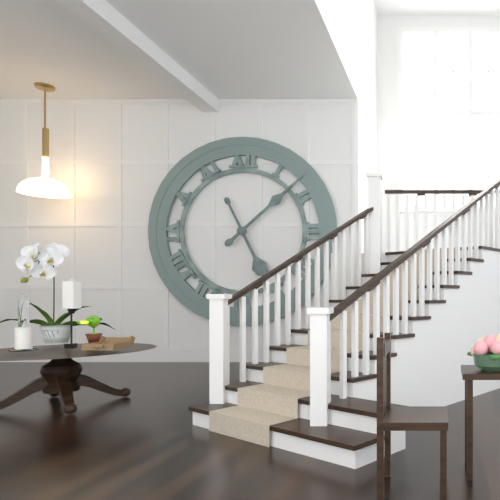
5:08
